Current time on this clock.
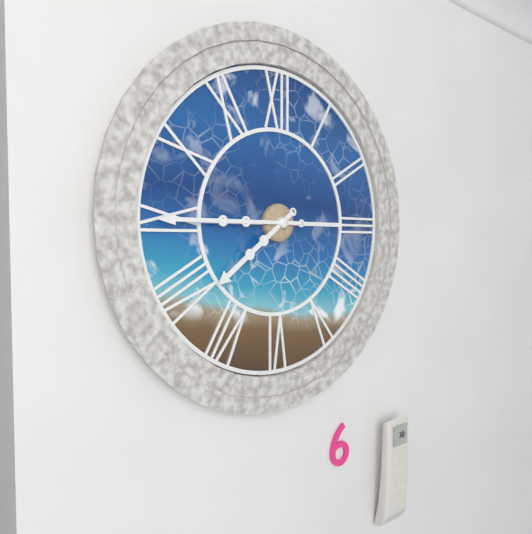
7:45
